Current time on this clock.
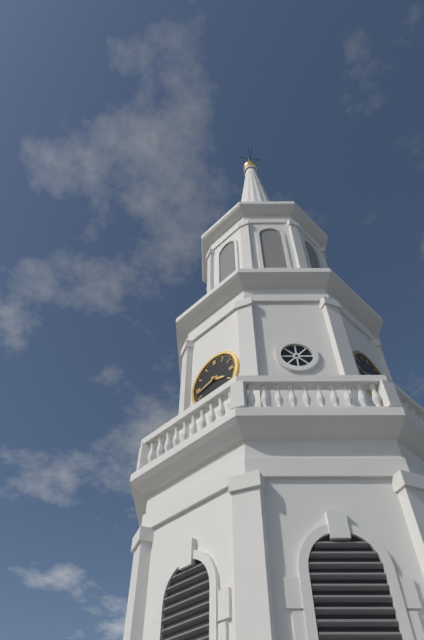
3:43
